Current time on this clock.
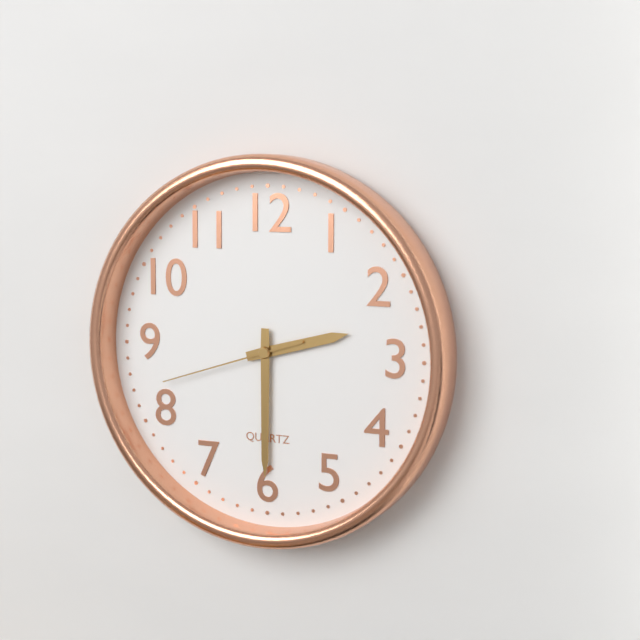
2:30:42
